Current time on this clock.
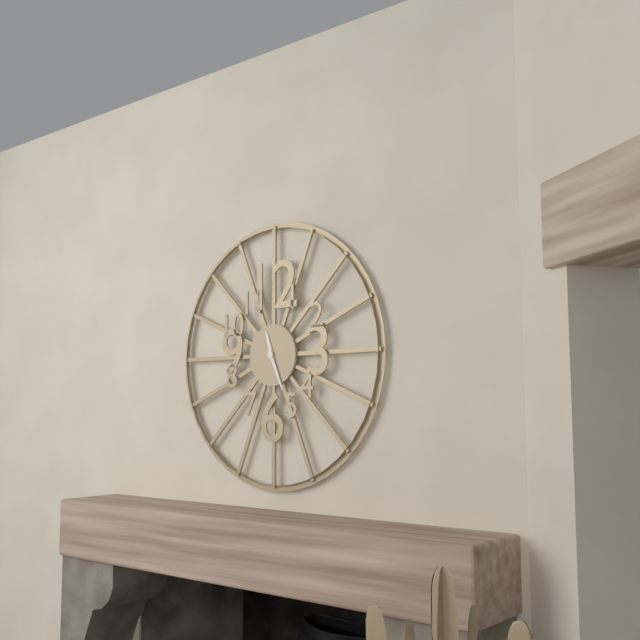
11:26
